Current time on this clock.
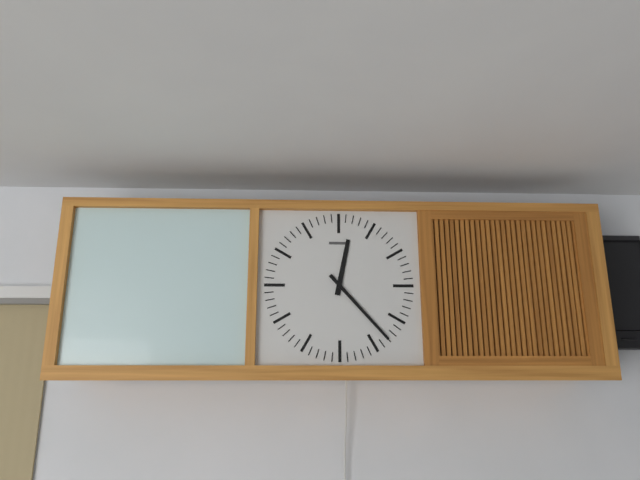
12:23
